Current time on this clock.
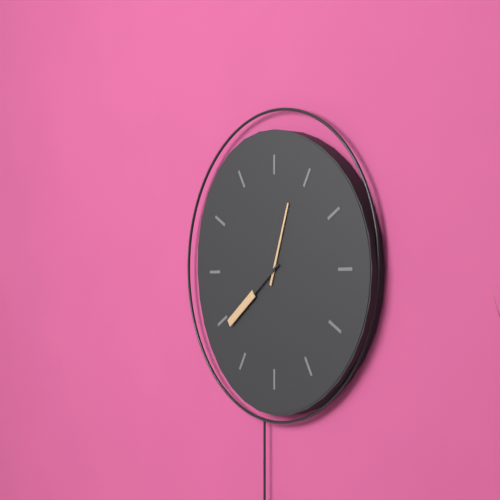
12:39
